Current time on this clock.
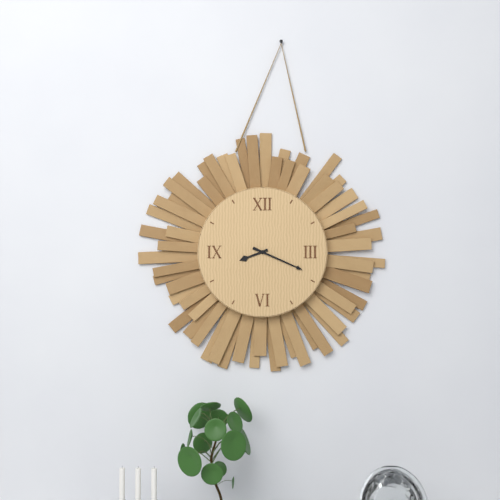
8:19
